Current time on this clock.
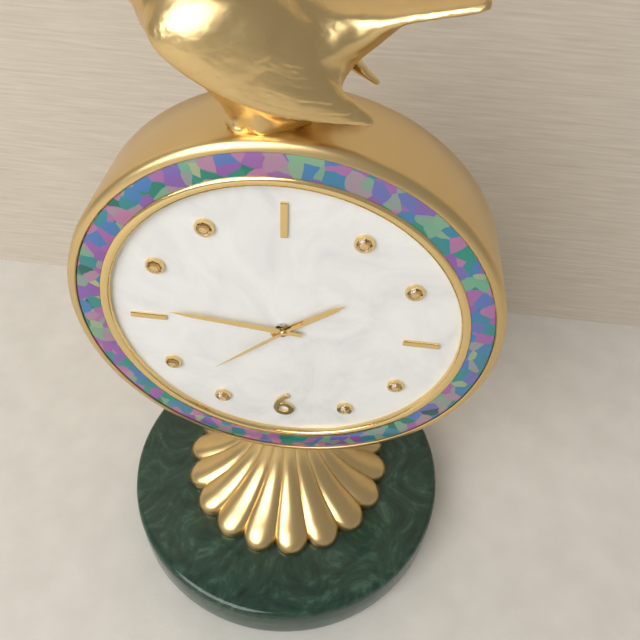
1:46:38
